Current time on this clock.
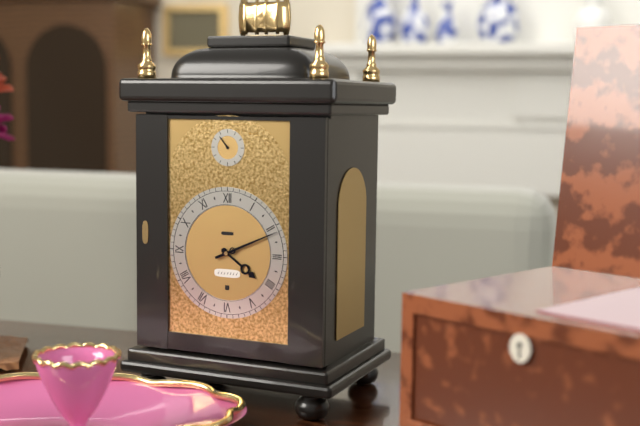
4:11
